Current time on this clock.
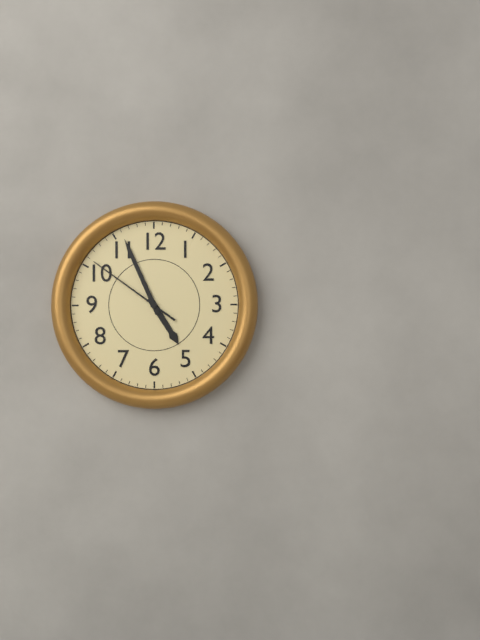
4:56:51
